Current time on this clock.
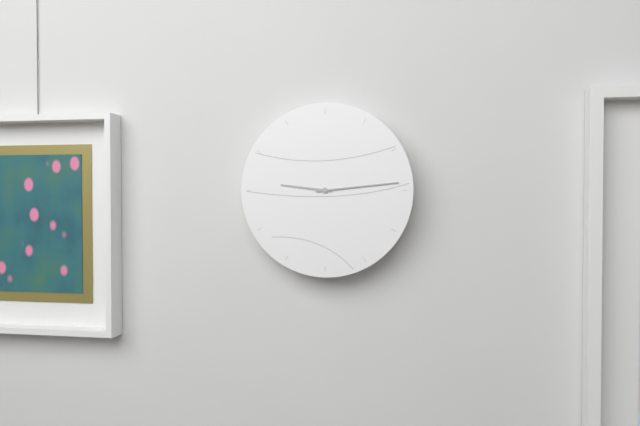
9:14
